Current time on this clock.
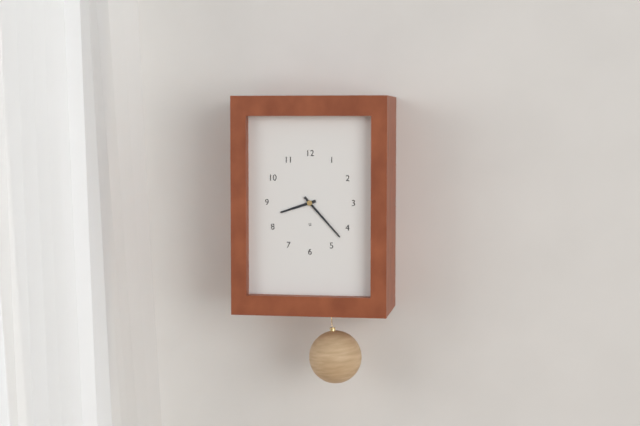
8:23
